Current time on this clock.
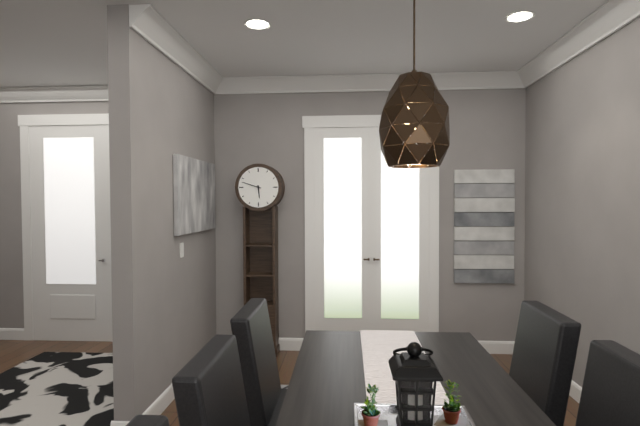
5:48
